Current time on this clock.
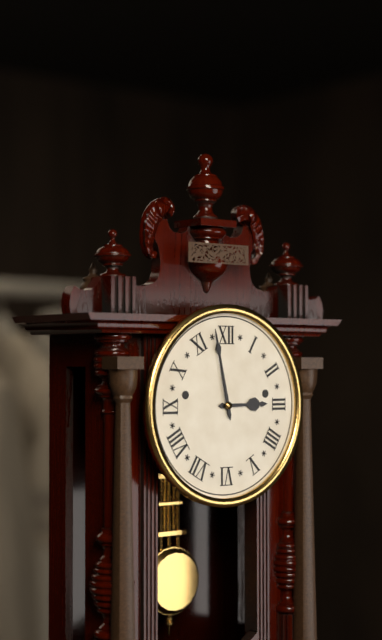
2:58
